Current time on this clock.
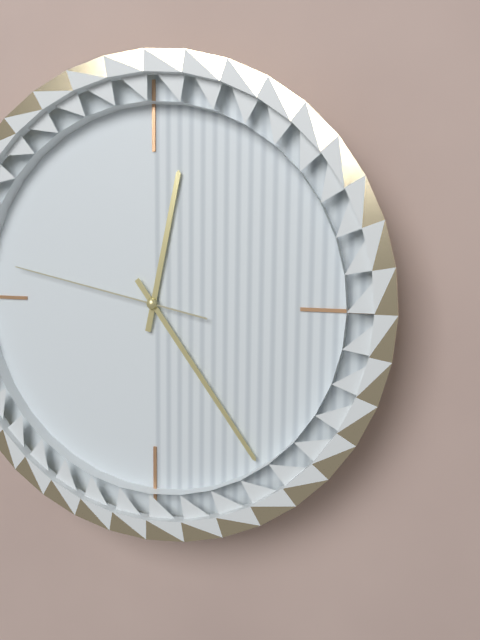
12:24:47
